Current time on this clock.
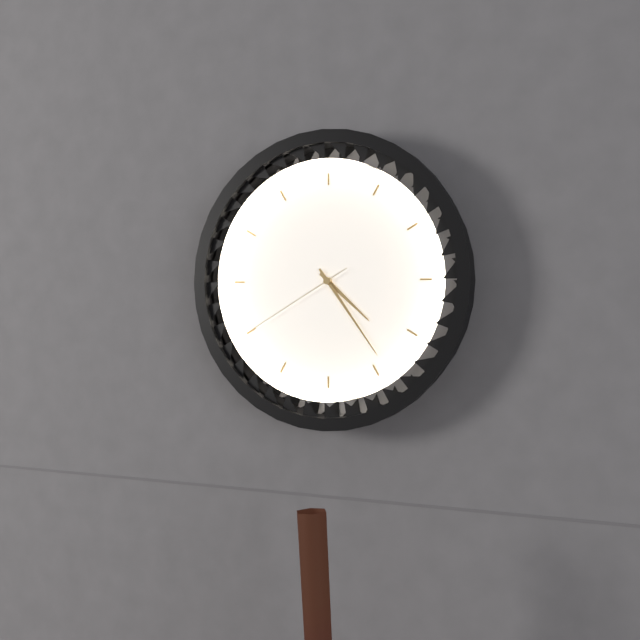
4:24:40
